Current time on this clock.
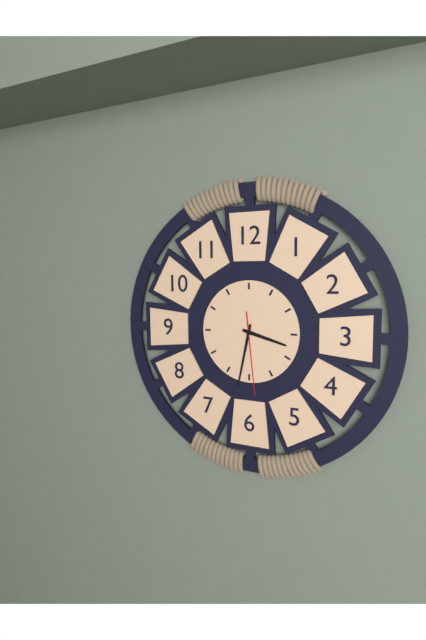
3:32:29
